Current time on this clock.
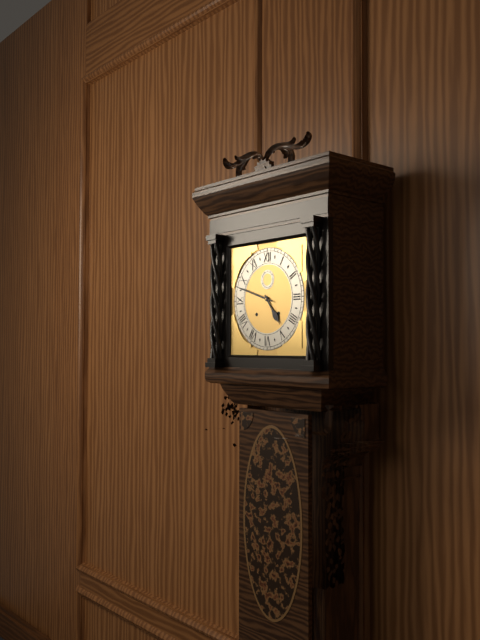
4:48
